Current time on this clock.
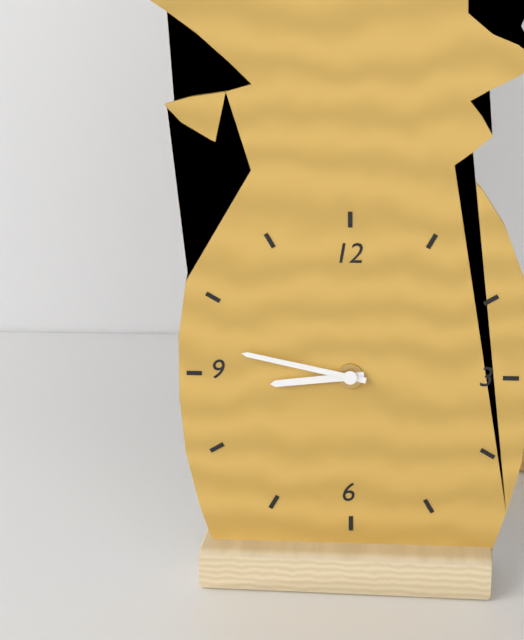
8:47
